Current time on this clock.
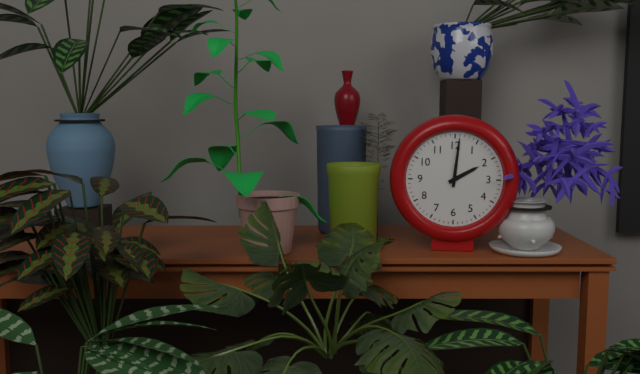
2:01
